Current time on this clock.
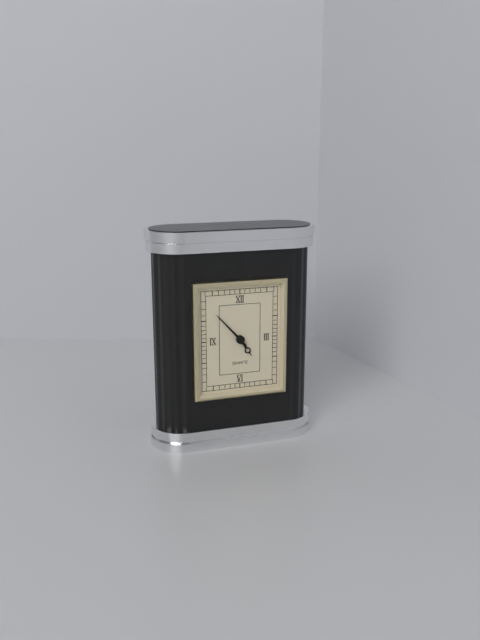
4:53
